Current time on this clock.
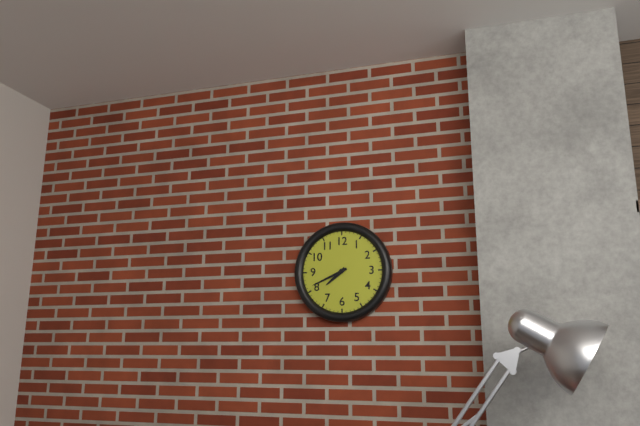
7:41
